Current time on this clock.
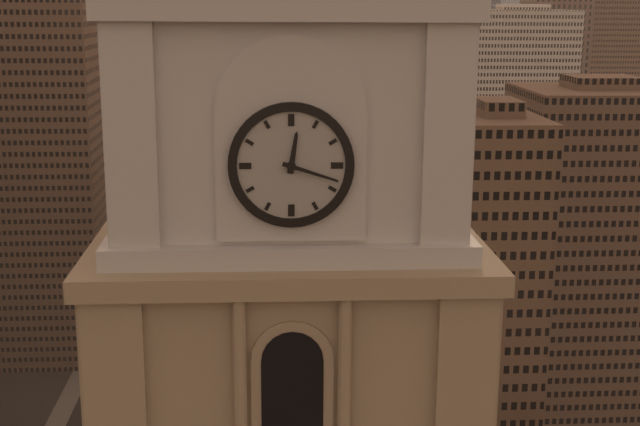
12:18
